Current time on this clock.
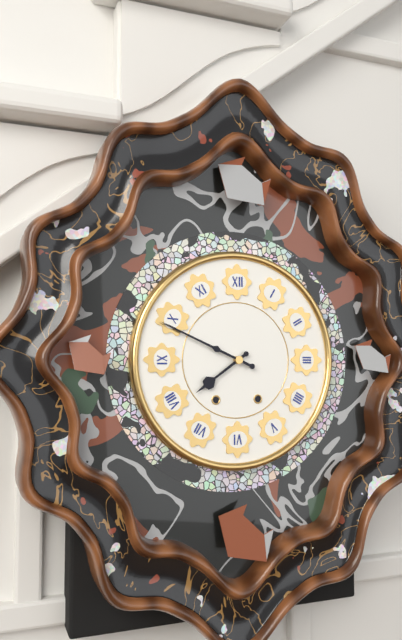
7:49
